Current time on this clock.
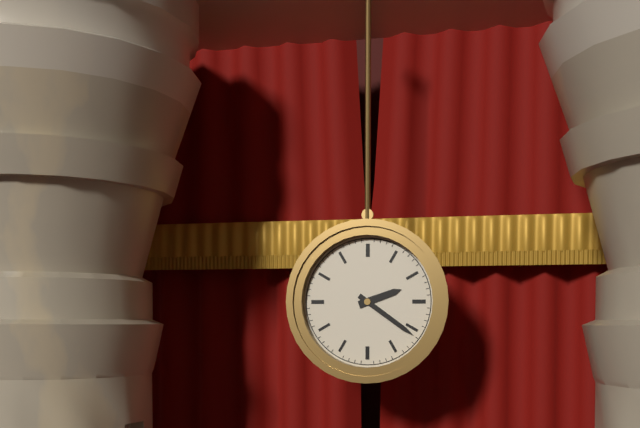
2:21
